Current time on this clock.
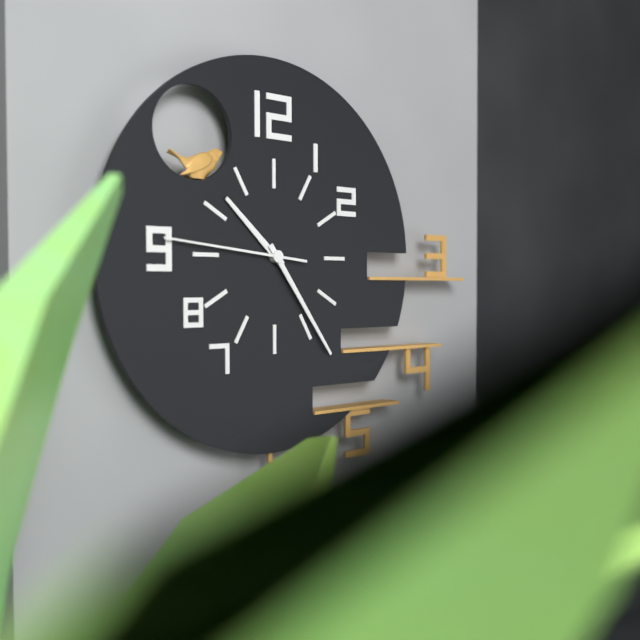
10:24:46
